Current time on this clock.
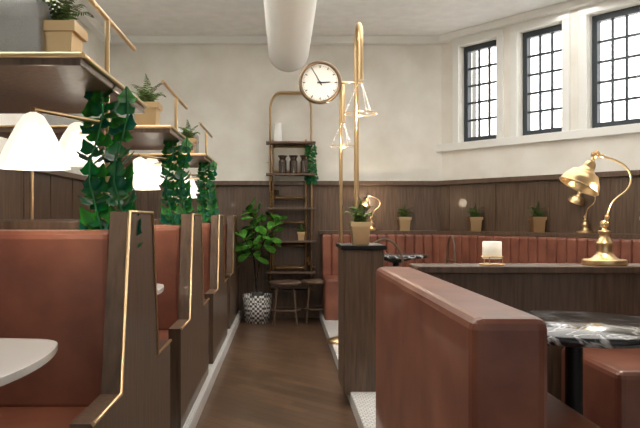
2:55
